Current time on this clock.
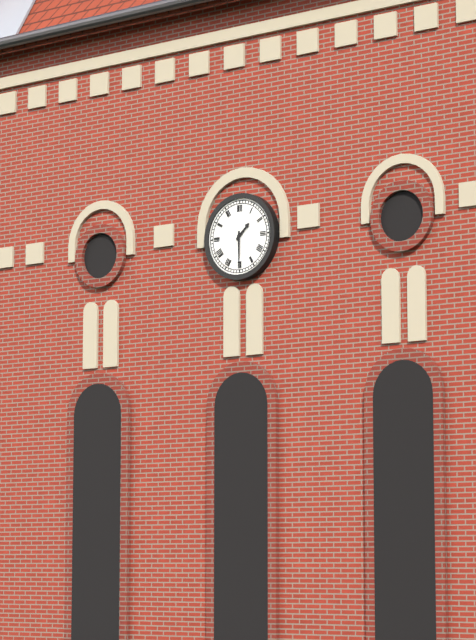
1:30
